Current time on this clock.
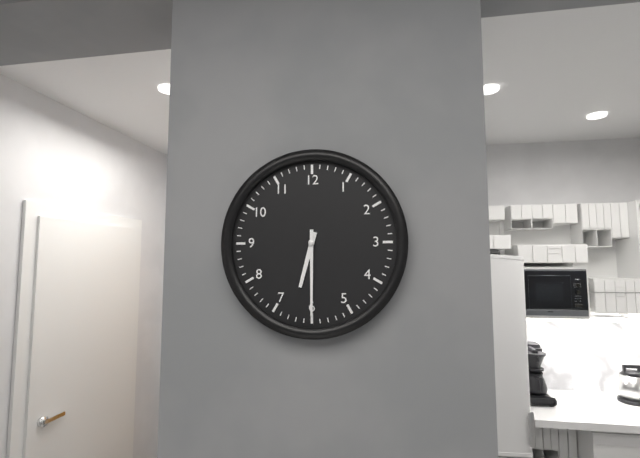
6:30
